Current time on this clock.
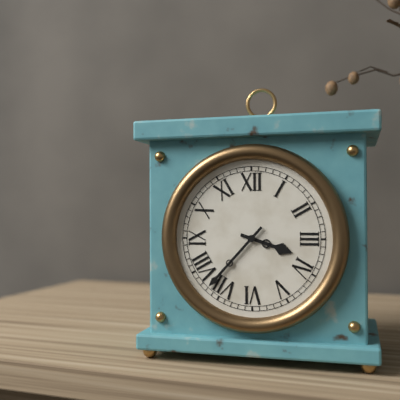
3:37
